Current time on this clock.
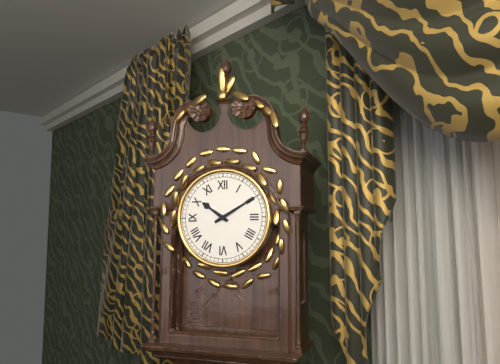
10:10
